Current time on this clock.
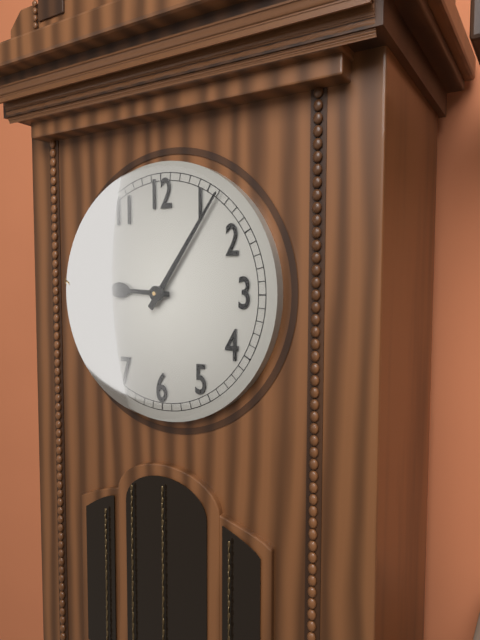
9:06
